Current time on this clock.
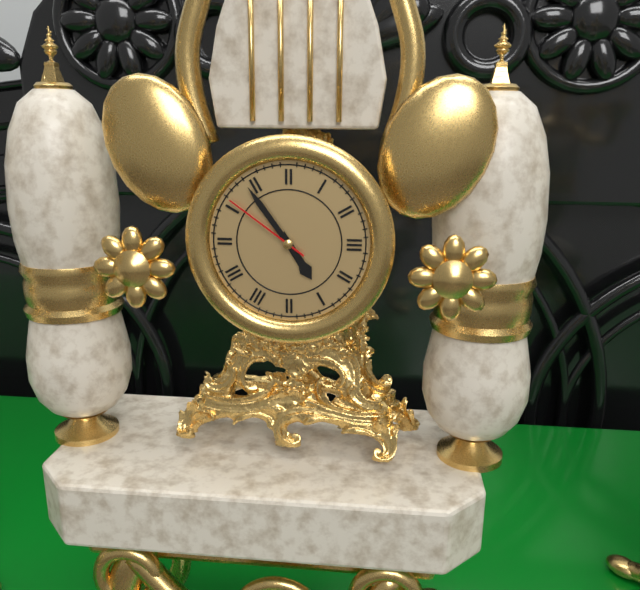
4:54:51
